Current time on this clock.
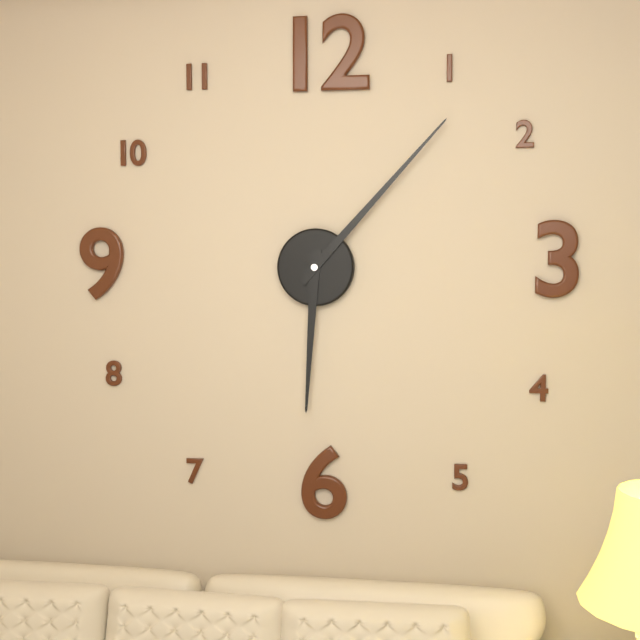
6:07
